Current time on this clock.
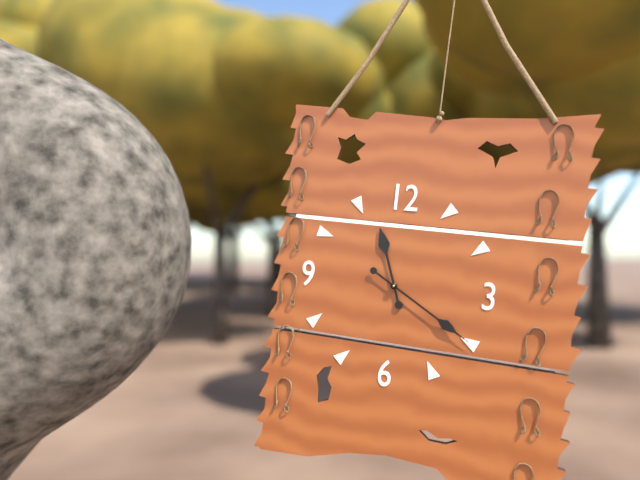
11:20
